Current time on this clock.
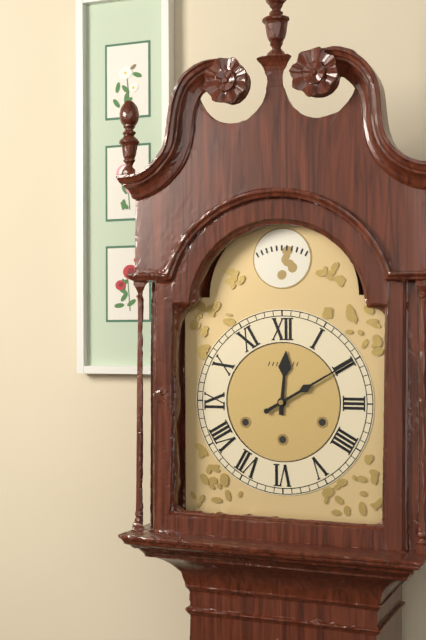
12:10
